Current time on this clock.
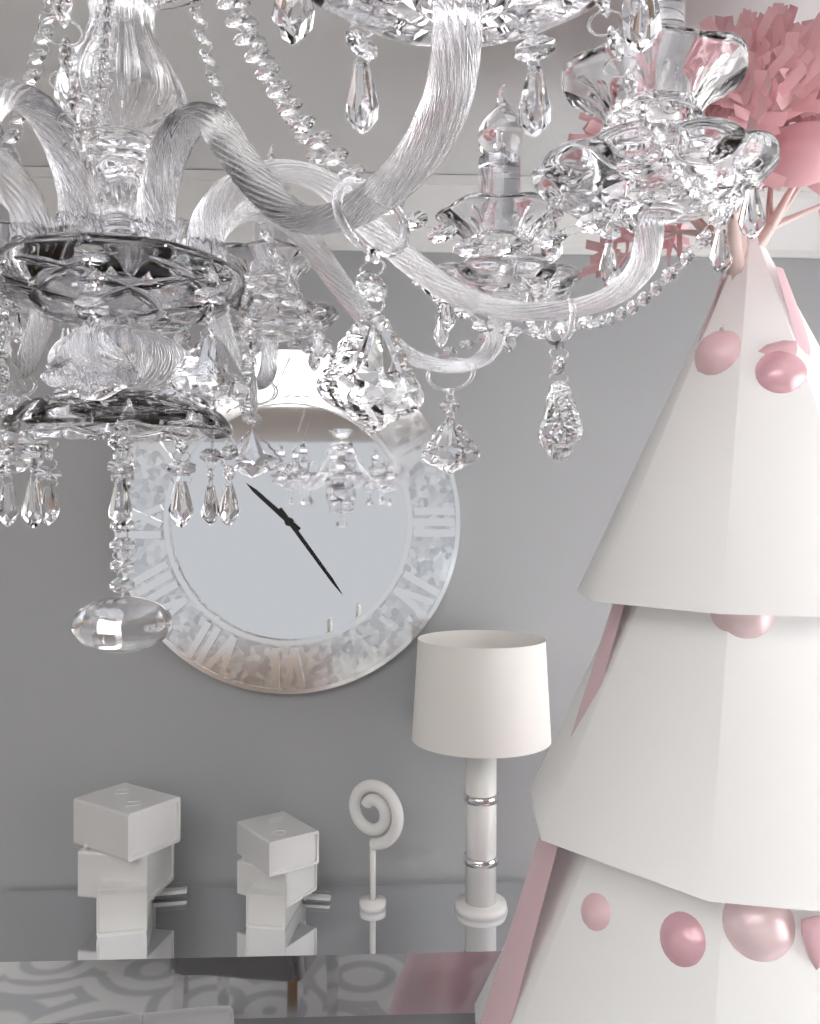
10:24
